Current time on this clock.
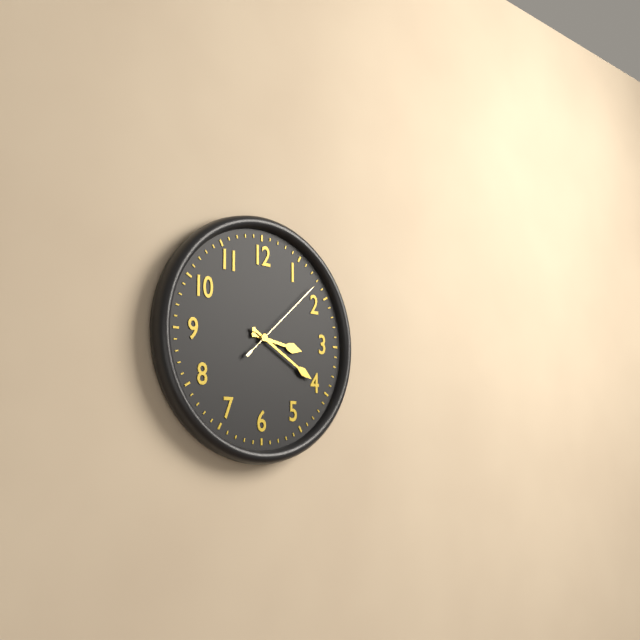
3:20:08
